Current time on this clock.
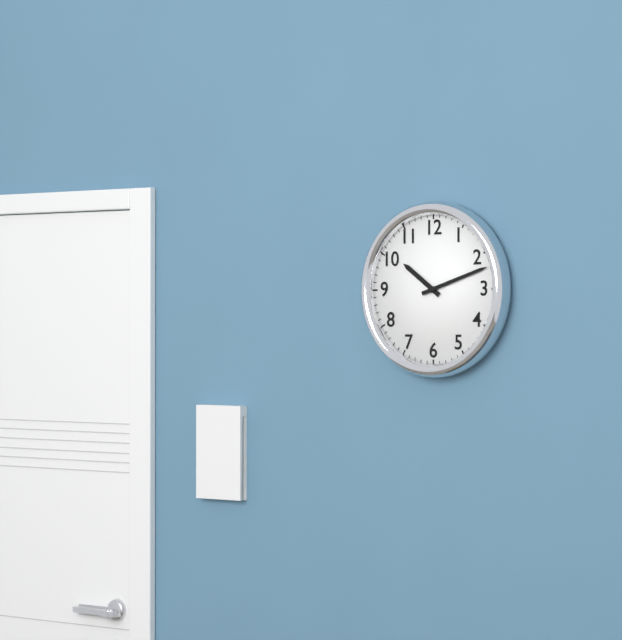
10:12
